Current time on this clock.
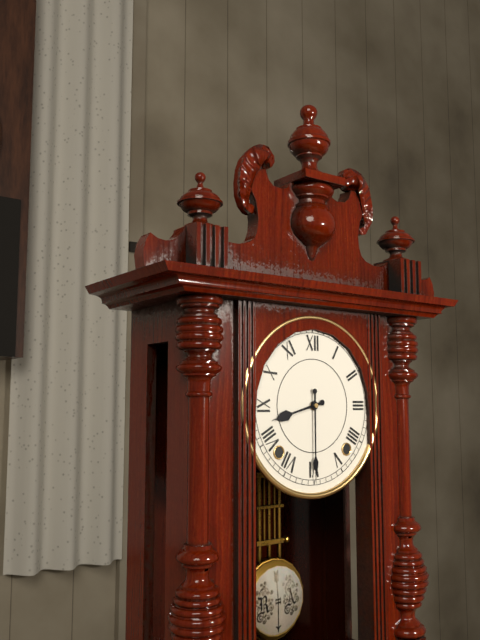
8:30
